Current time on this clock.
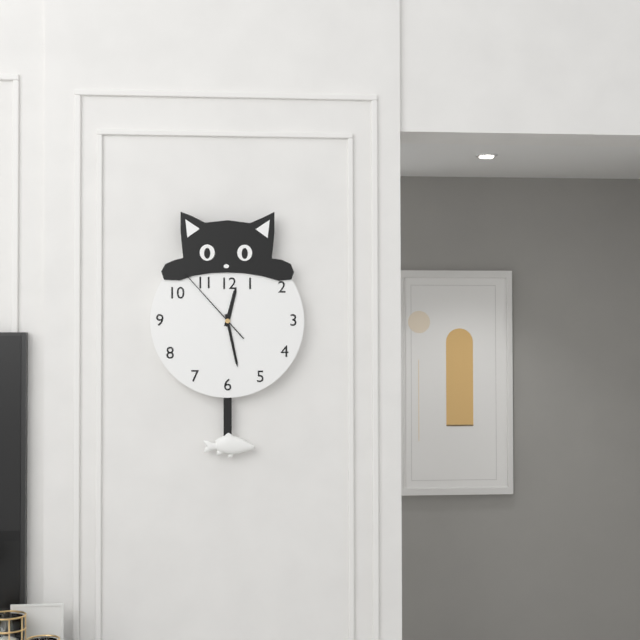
12:28:53
